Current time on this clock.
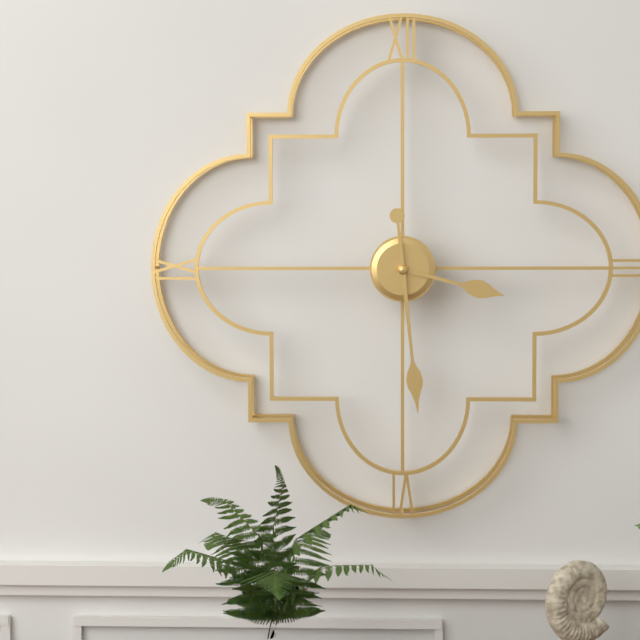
3:29
